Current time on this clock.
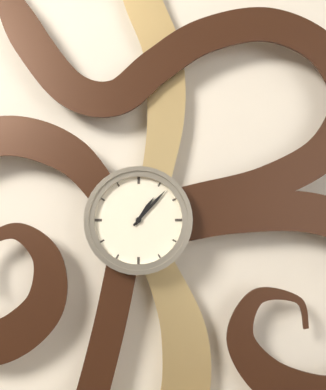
1:07
